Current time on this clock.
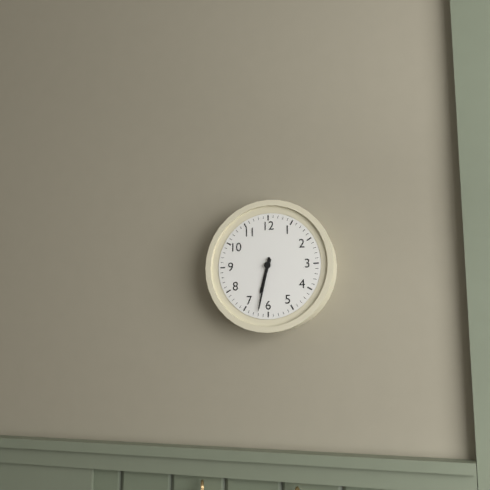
6:32
